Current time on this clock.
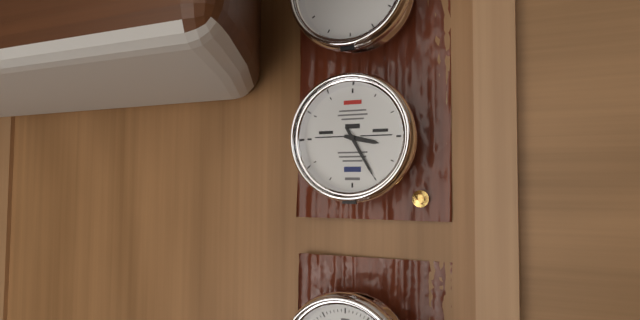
3:25
